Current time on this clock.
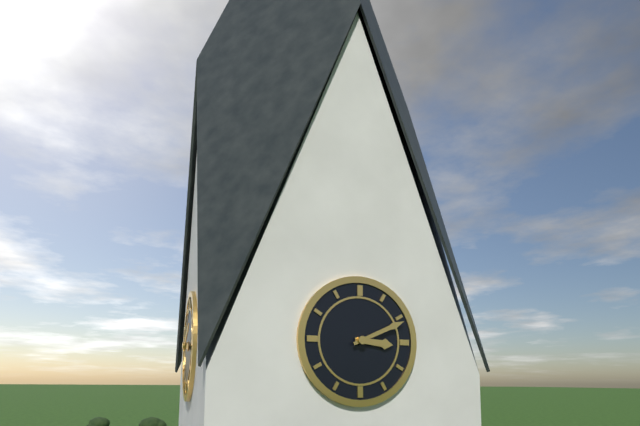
3:11
